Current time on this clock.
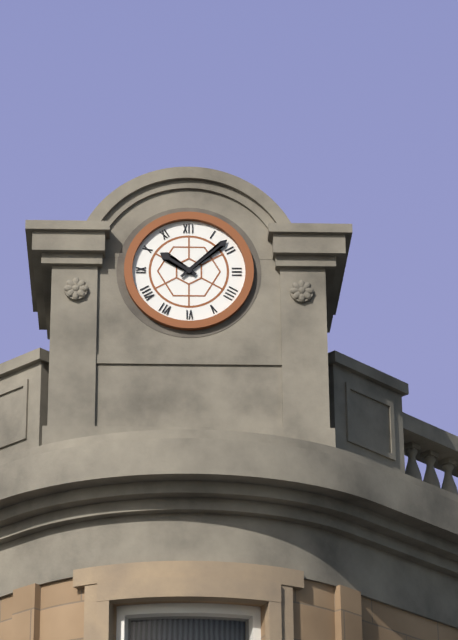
10:08
